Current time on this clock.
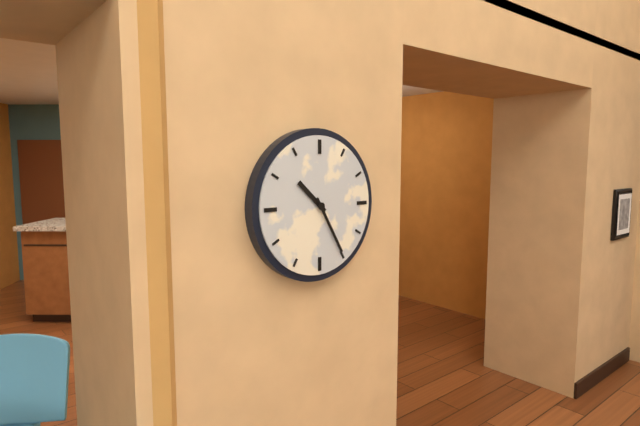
10:25
